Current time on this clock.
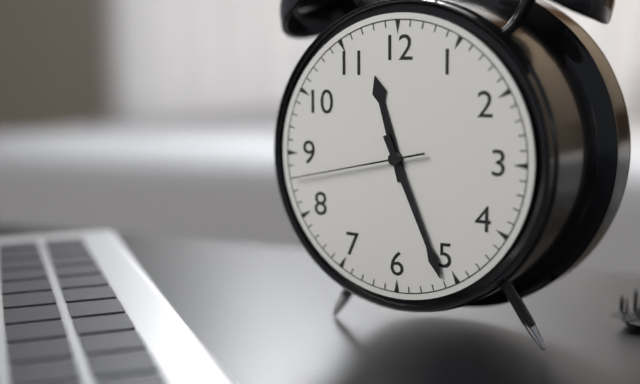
11:26:43
